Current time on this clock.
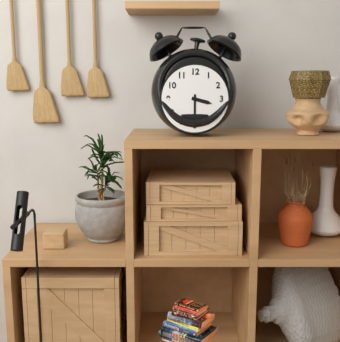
3:30
